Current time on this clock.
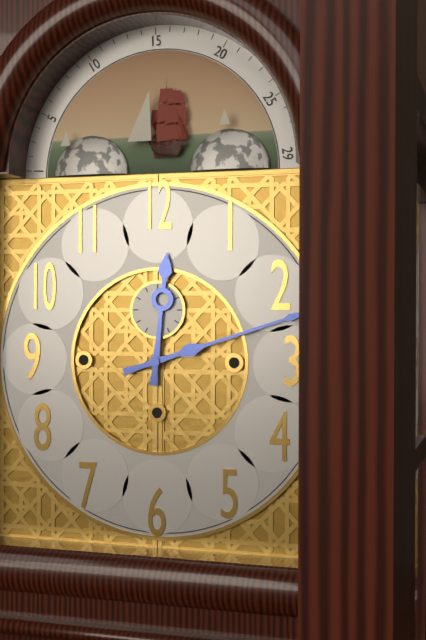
12:12
